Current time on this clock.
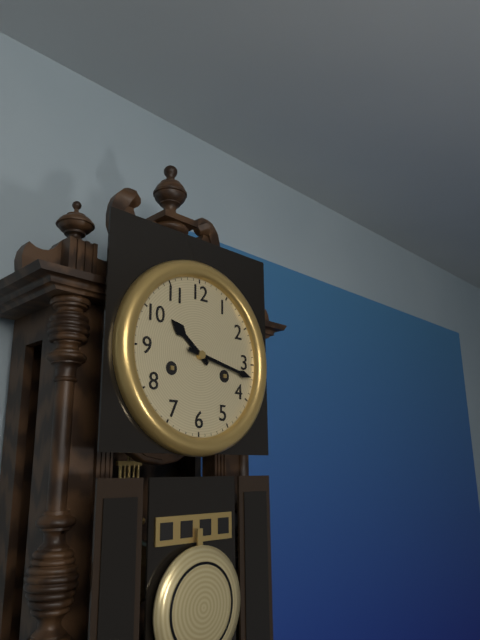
10:17
